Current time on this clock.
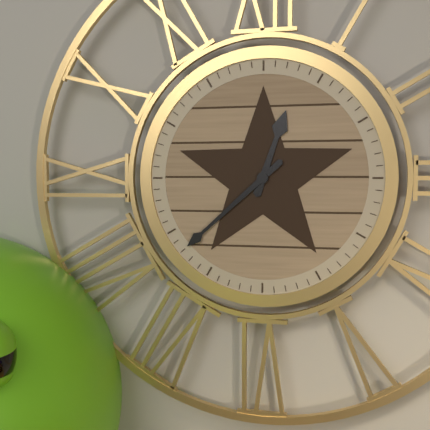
12:38
